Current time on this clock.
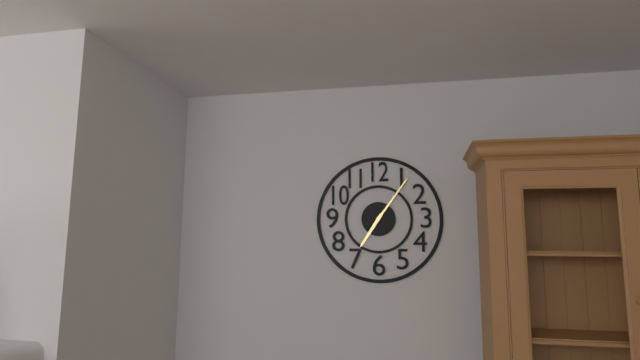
7:06
